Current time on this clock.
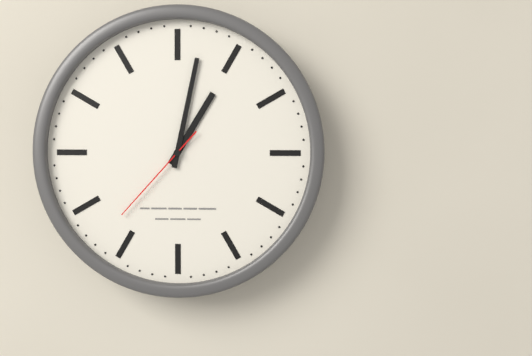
1:02:37
